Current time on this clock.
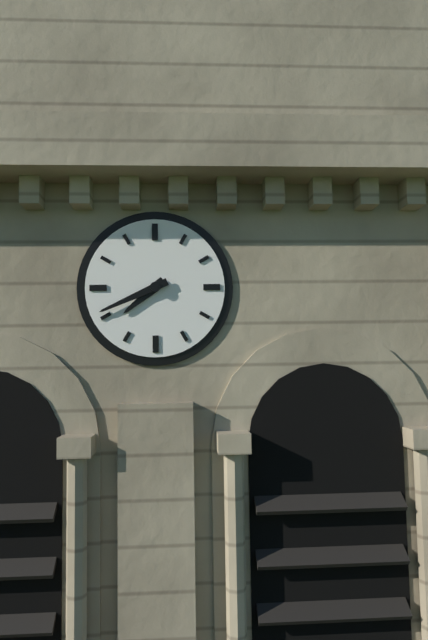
7:41
